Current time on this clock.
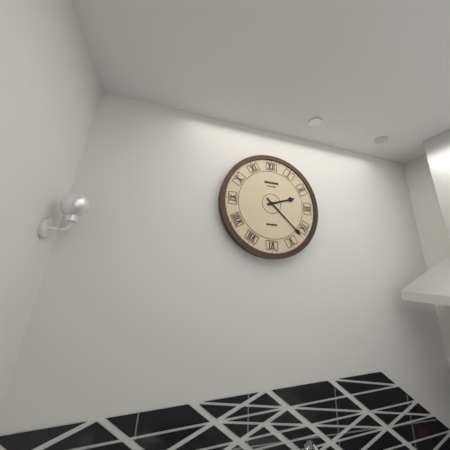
2:22
